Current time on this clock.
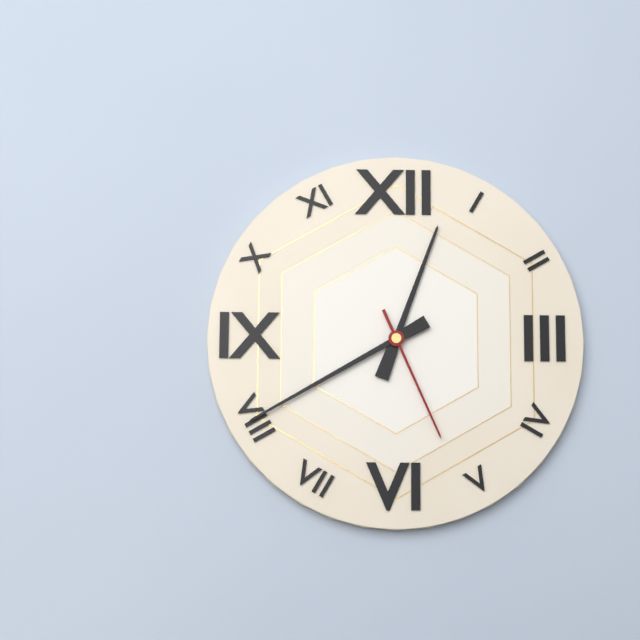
12:40:26
